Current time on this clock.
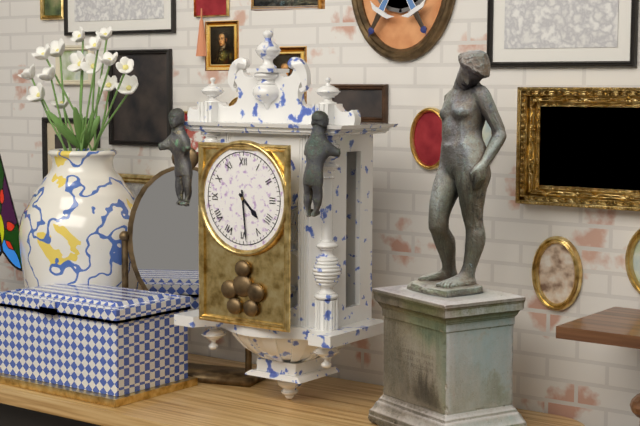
4:29
